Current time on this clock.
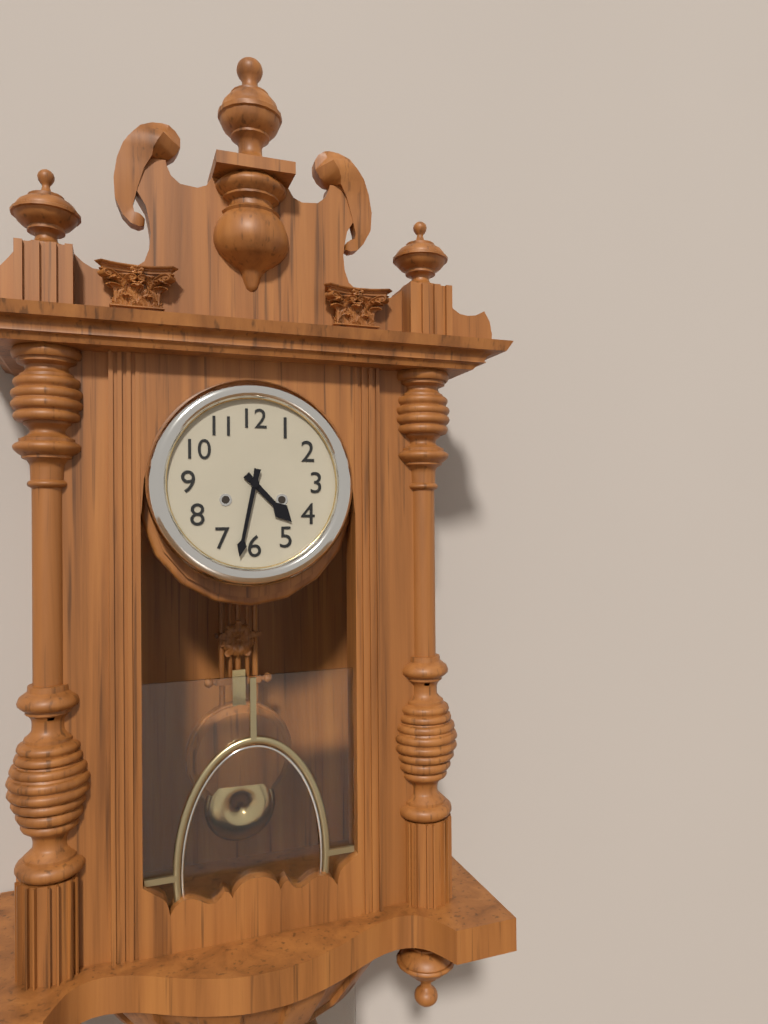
4:32
